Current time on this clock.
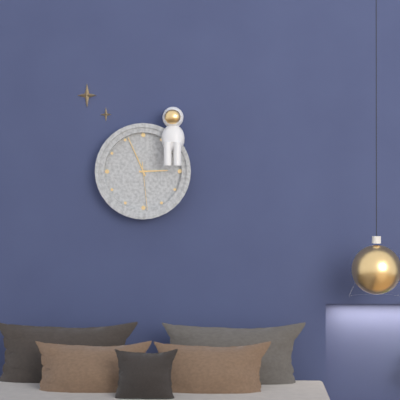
2:56
